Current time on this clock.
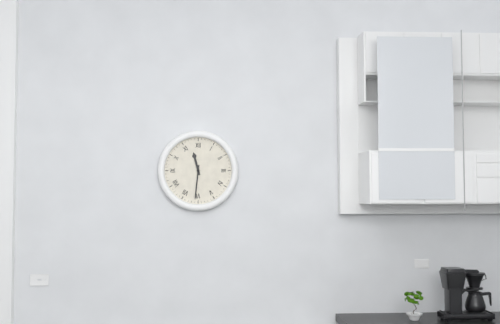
11:31
